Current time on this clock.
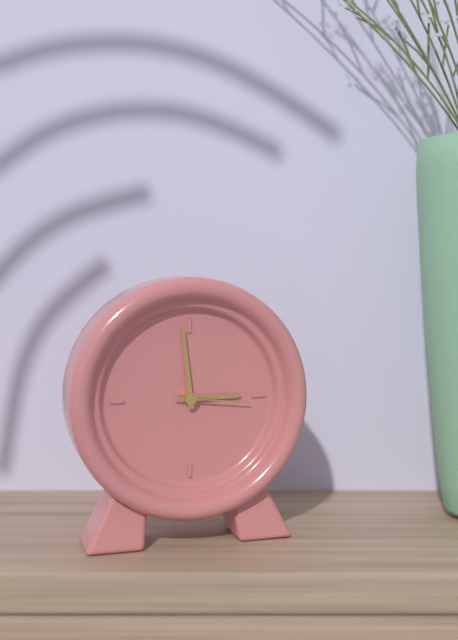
2:59:16
